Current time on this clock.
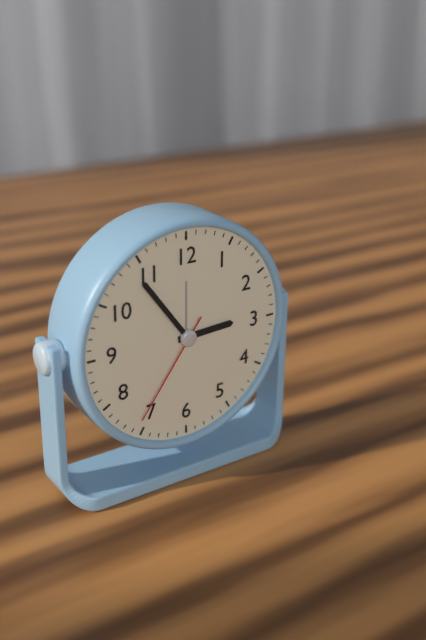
2:54:36
